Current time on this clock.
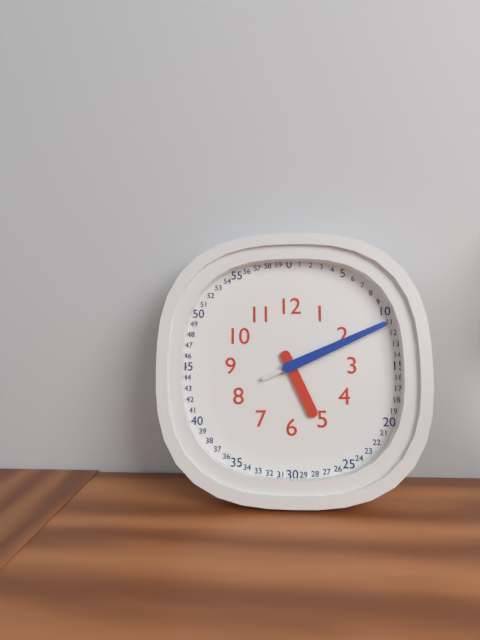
5:11:11
